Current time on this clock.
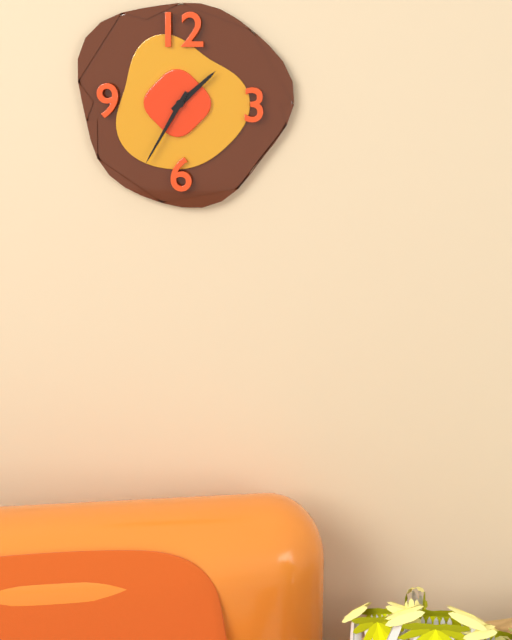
1:35
